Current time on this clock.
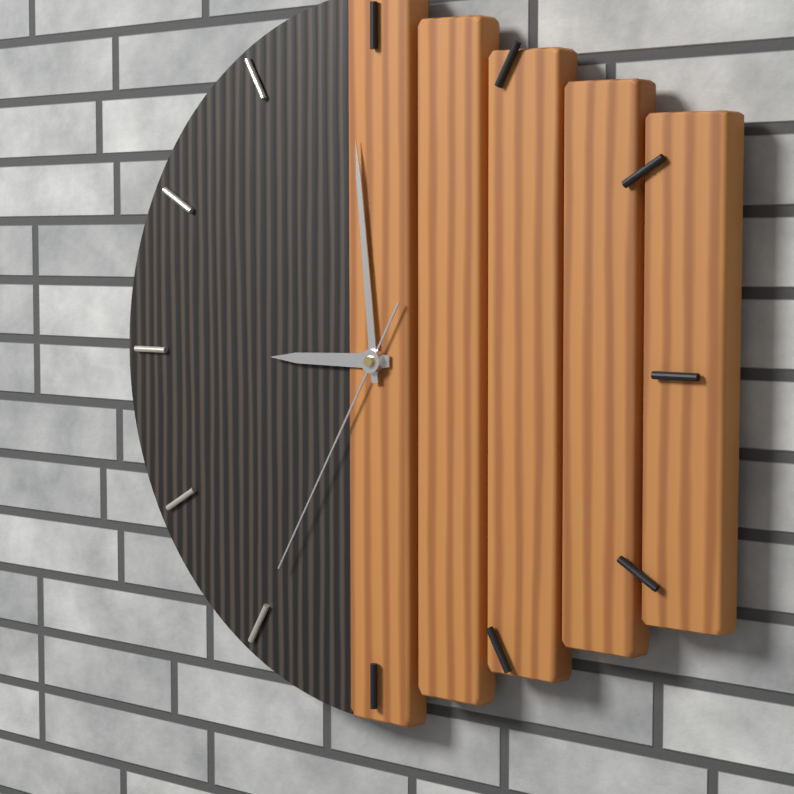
8:59:35
